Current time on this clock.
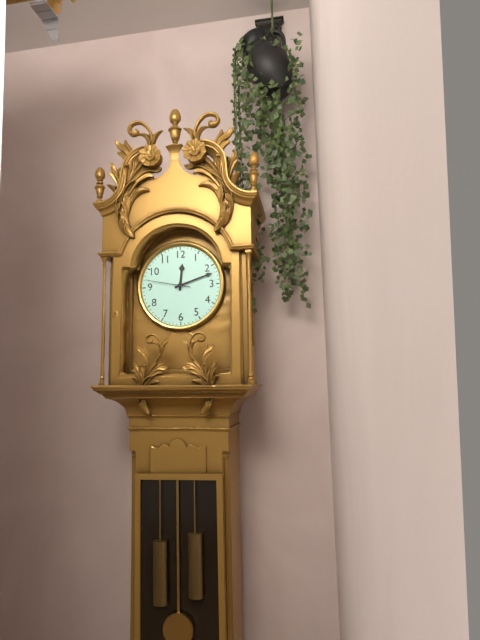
12:12
